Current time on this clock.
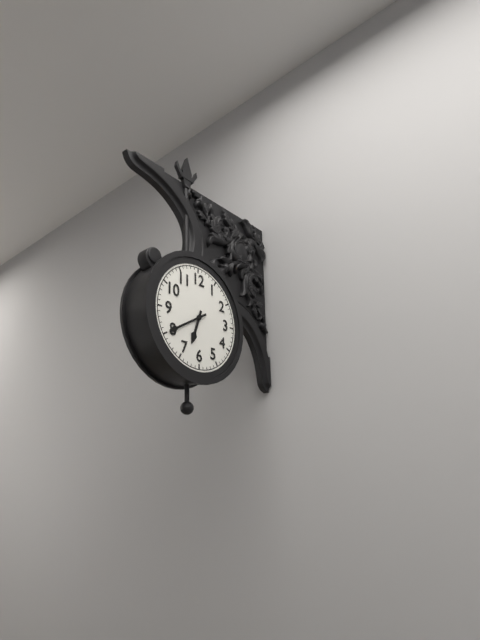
6:40
